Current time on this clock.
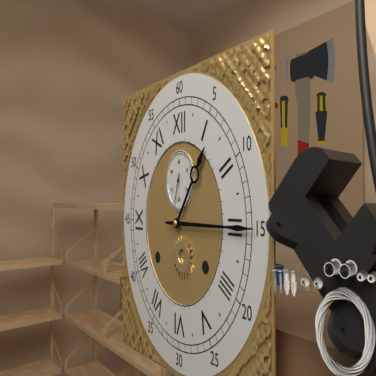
1:15
